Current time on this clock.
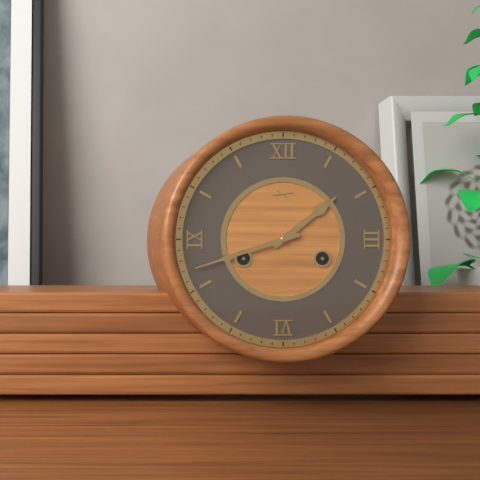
1:42
